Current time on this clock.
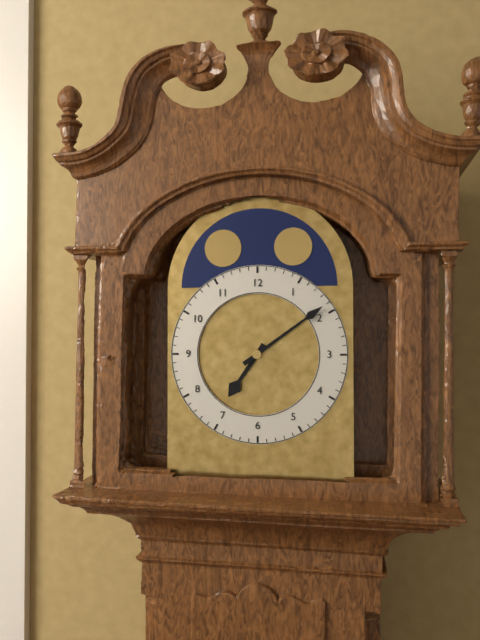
7:09
